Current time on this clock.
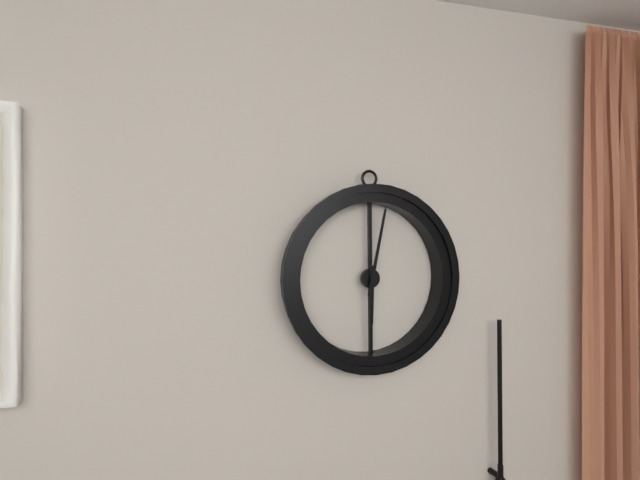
6:02
